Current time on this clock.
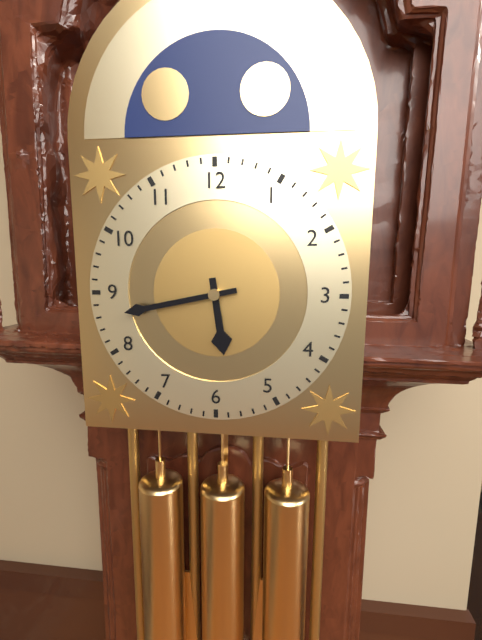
5:43
